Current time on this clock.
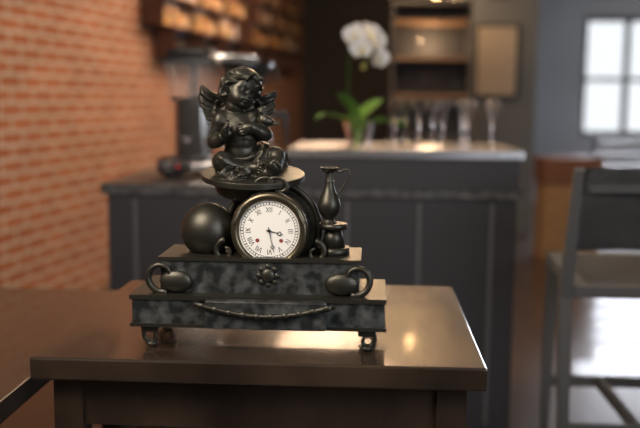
3:28
